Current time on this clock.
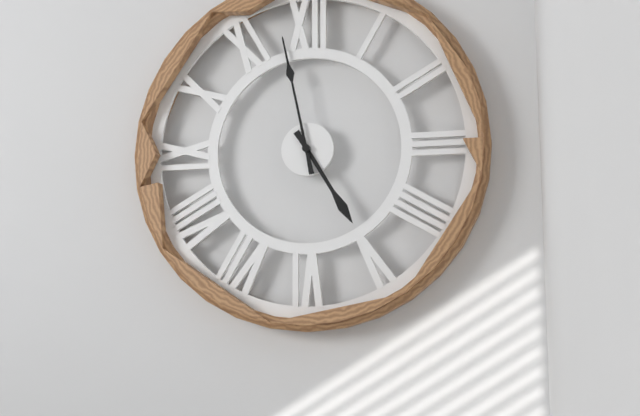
4:58
